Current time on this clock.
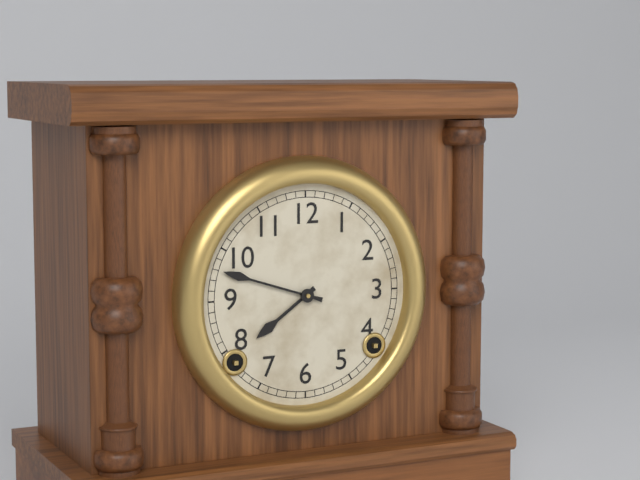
7:48
